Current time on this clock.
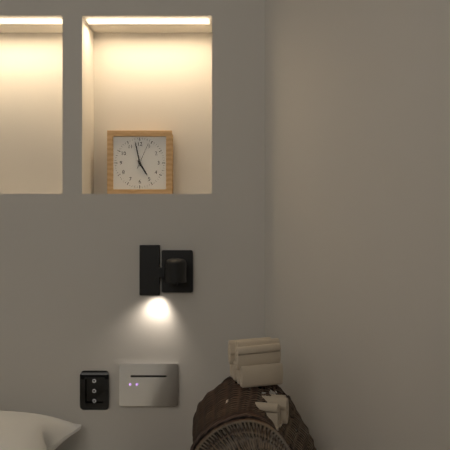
4:58
